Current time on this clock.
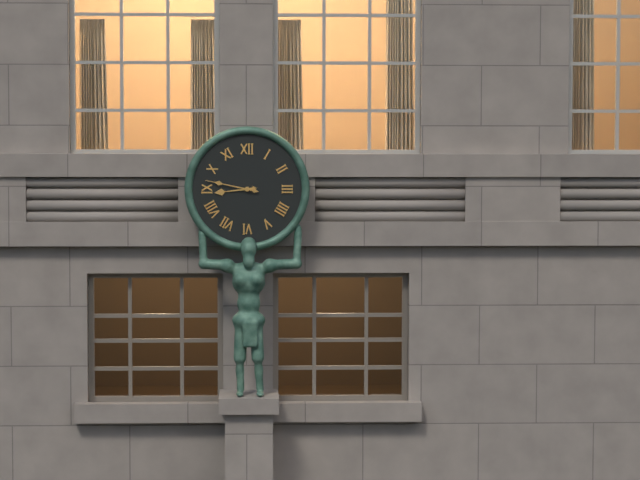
8:47
